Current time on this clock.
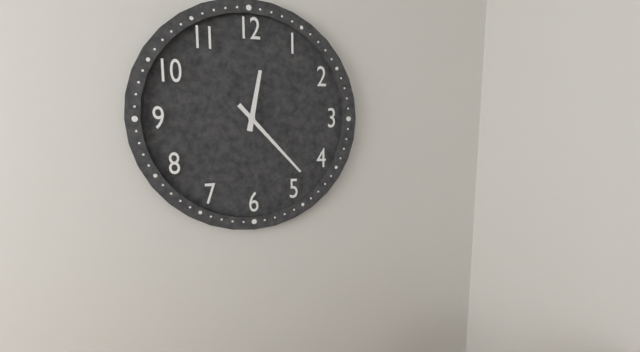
12:23
